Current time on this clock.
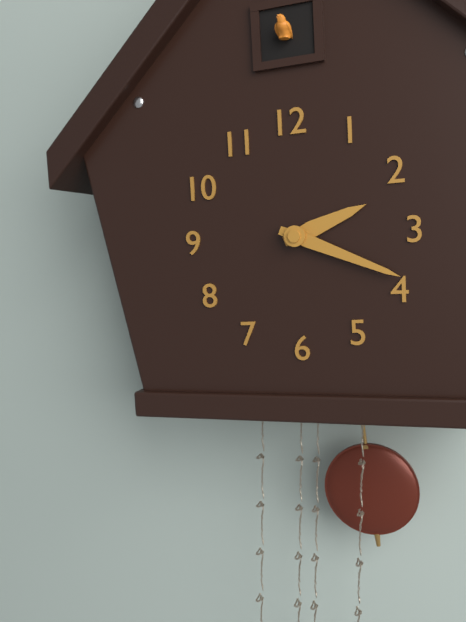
2:19
